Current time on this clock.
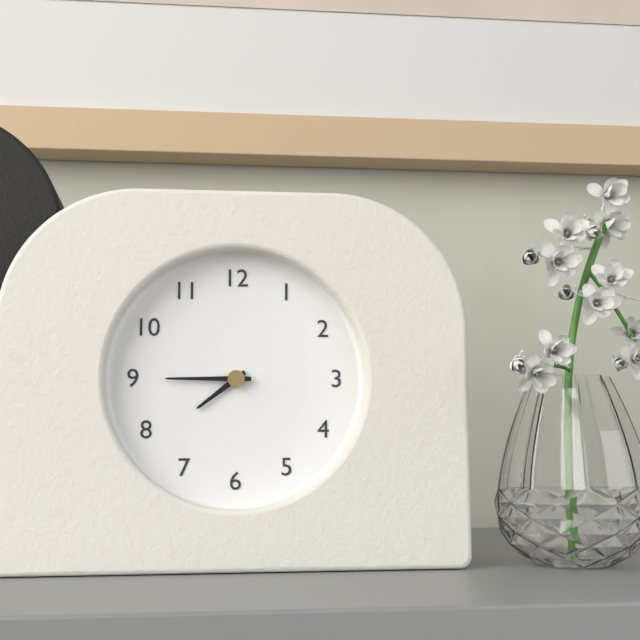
7:45
